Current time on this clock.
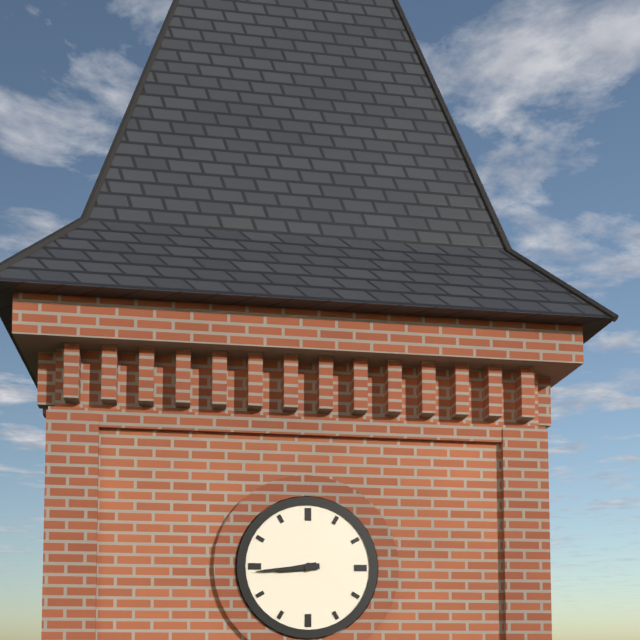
8:44
